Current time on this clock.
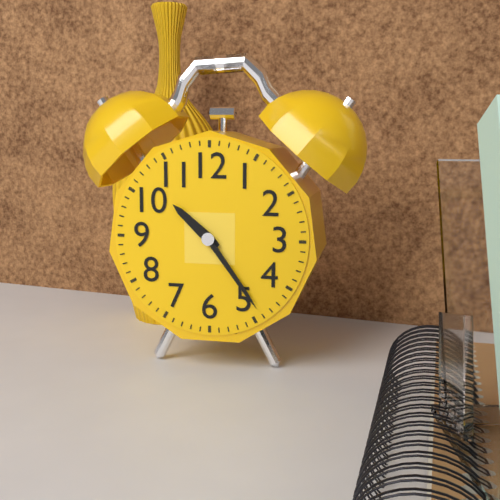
10:24
